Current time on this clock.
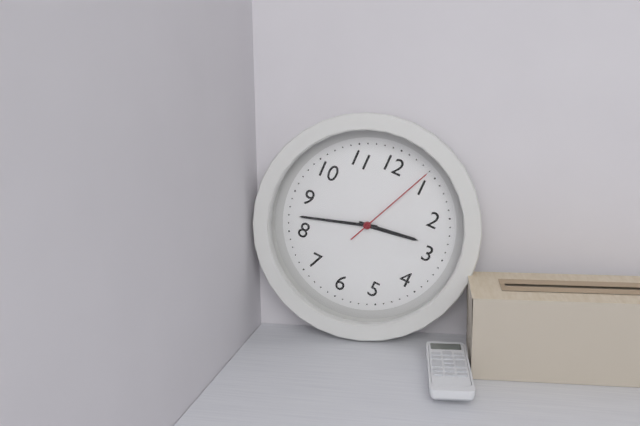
2:42:04
